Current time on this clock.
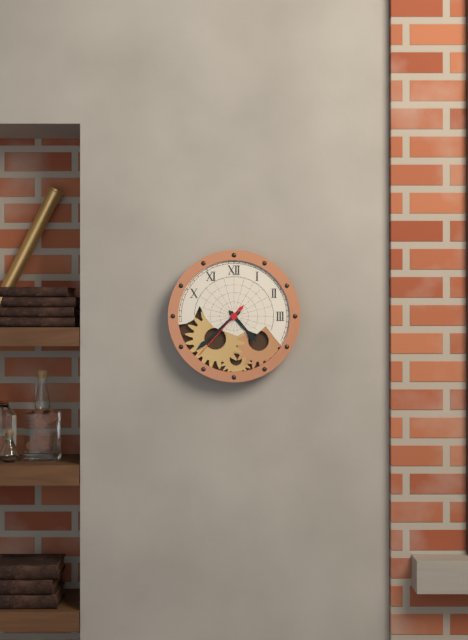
4:38:37
